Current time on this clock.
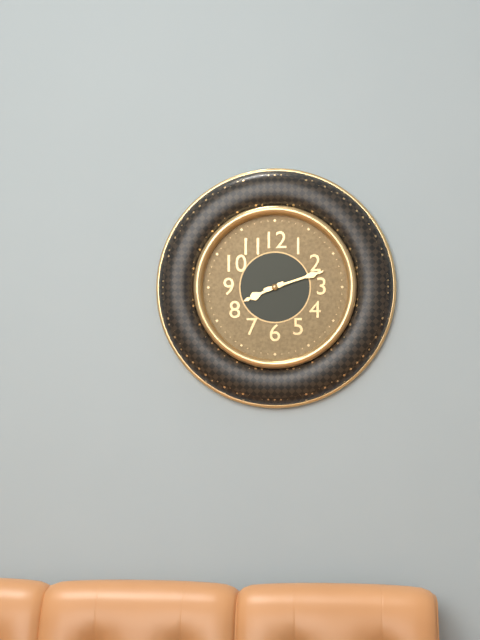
8:12
